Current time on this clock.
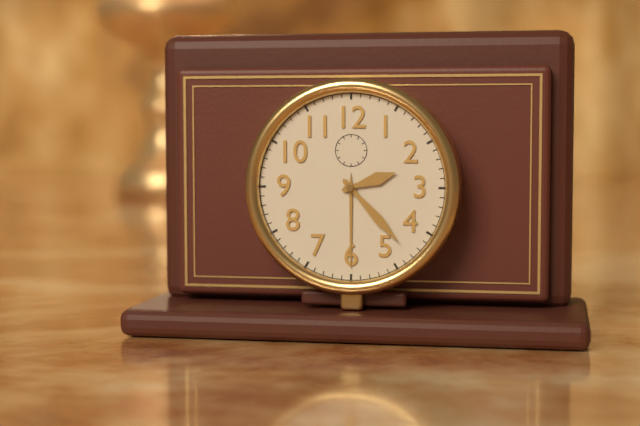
2:23
